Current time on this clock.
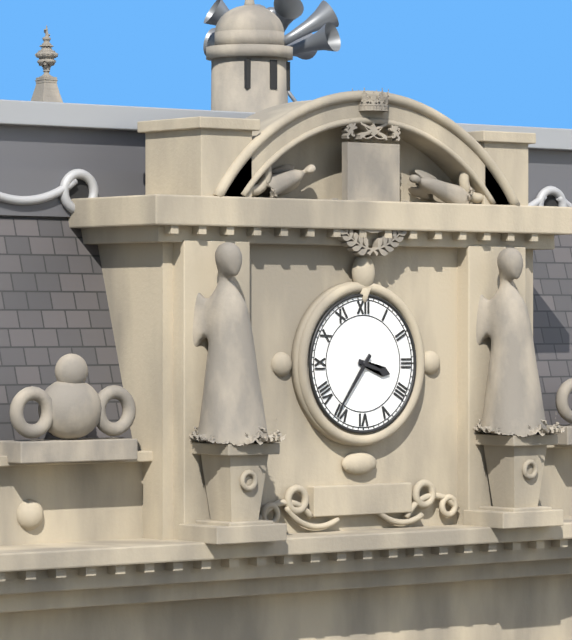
3:36
